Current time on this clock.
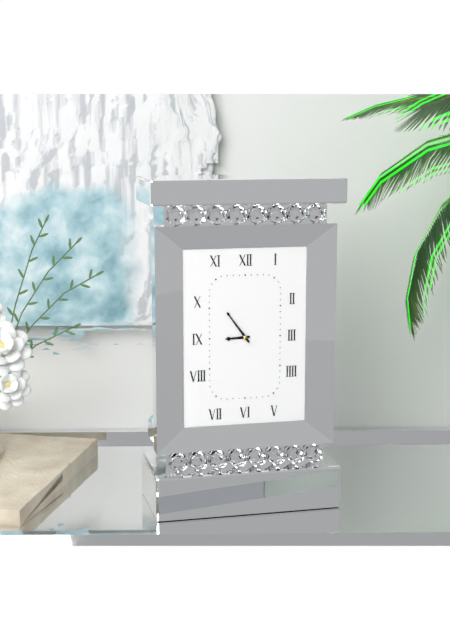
8:54
